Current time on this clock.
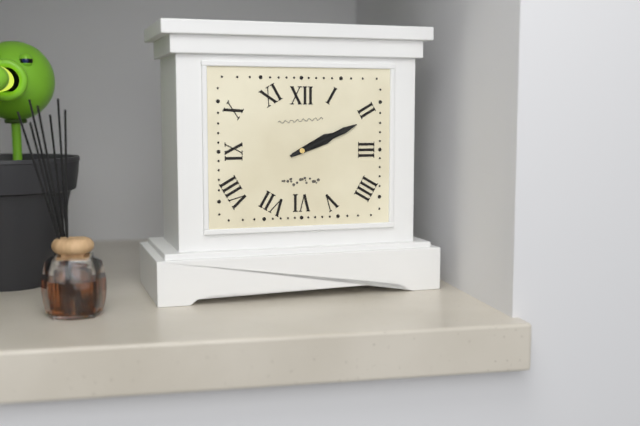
2:11
